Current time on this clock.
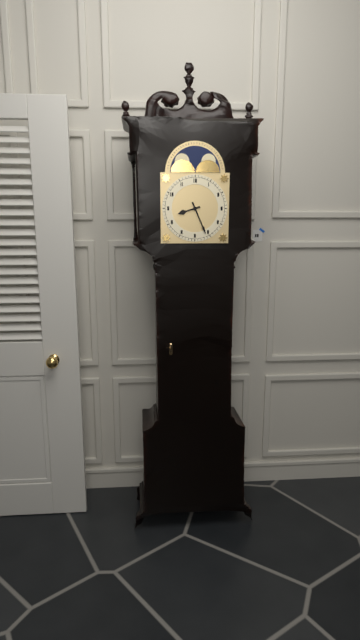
8:26
